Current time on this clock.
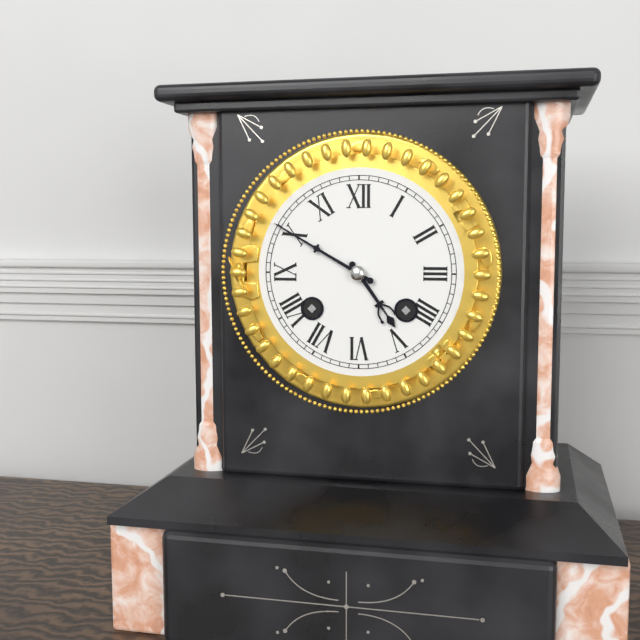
4:50
